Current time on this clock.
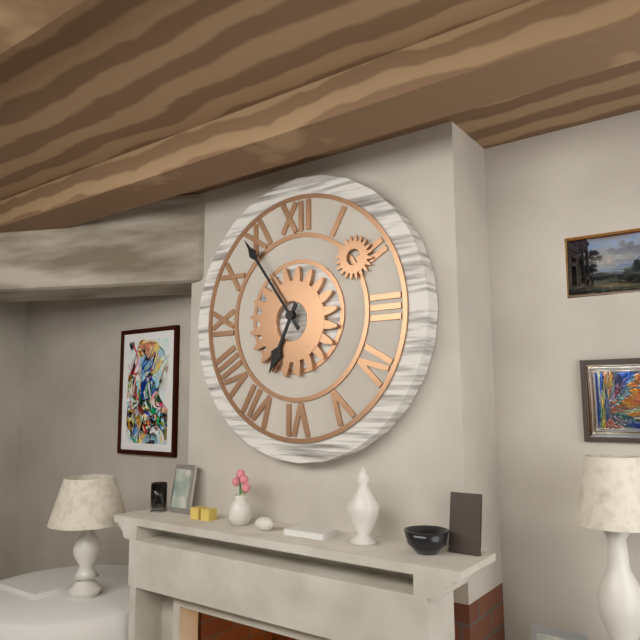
6:54
